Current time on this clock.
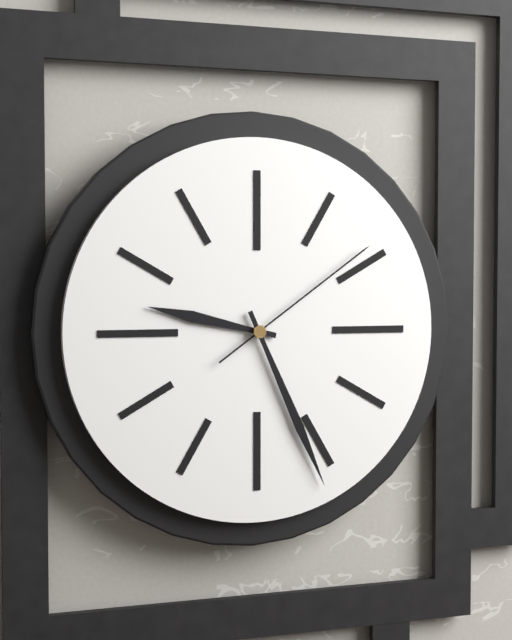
9:26:09
